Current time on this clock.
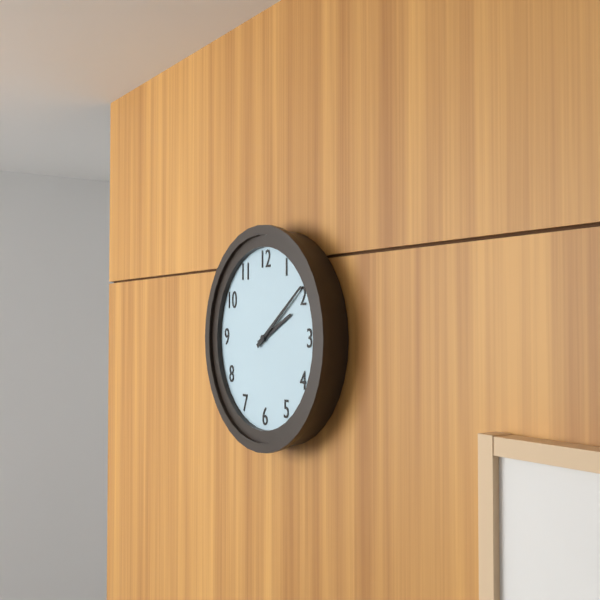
2:09
